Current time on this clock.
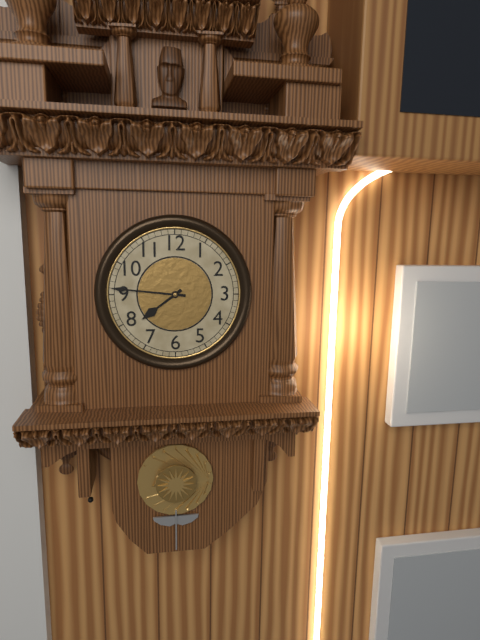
7:46
